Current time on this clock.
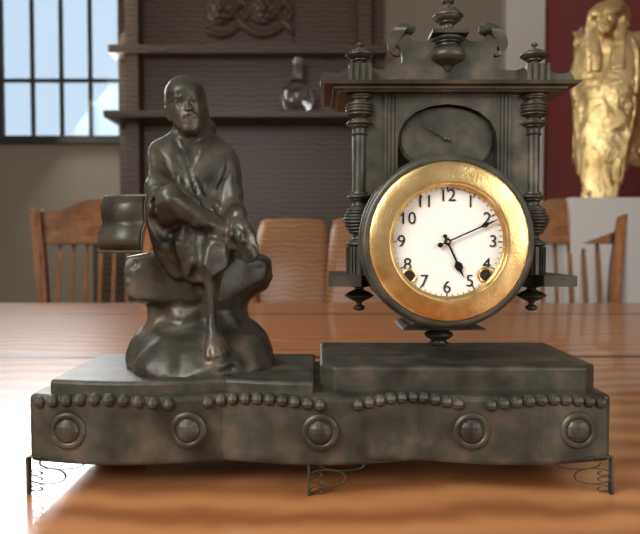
5:11
